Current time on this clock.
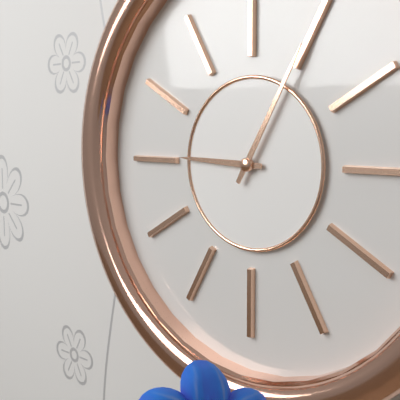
9:05
